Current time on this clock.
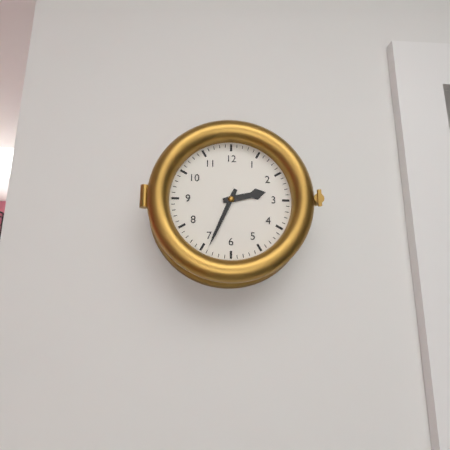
2:34
